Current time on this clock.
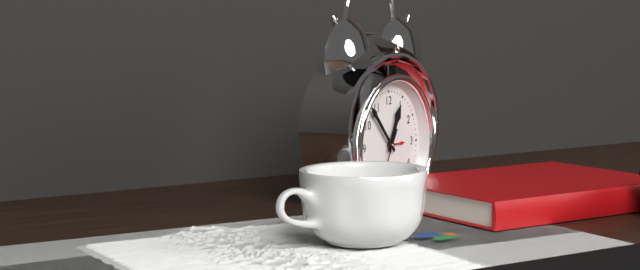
12:53
